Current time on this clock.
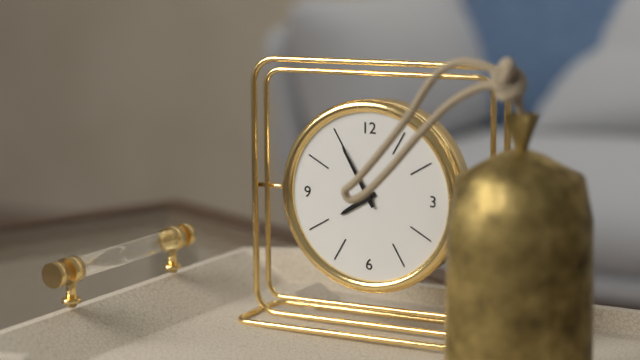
7:55
